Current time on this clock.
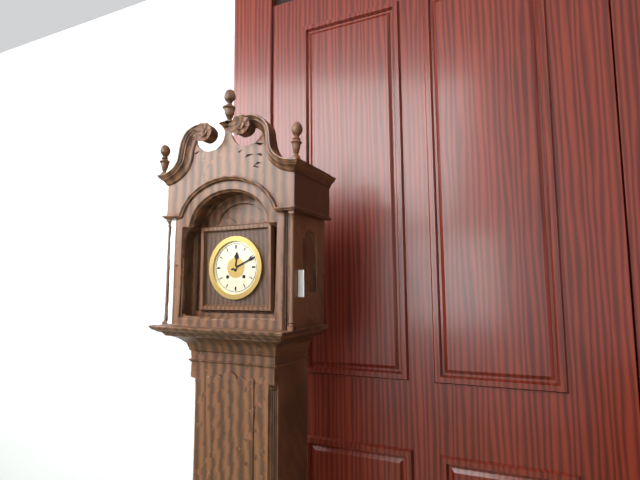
12:11
